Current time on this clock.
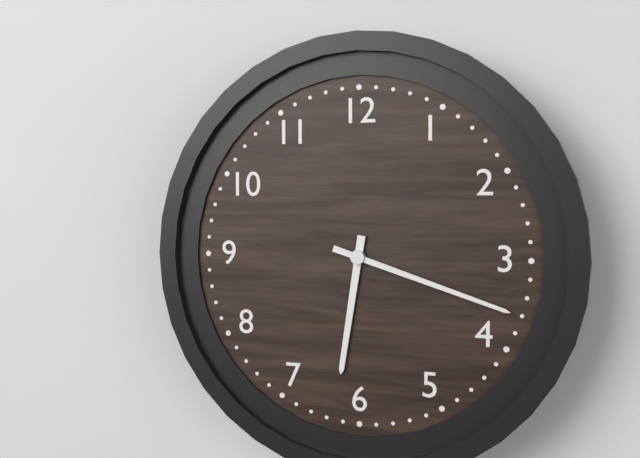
6:18
